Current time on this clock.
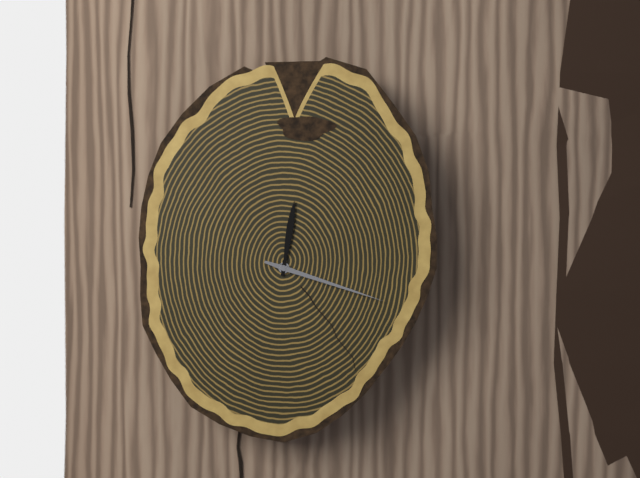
12:18
